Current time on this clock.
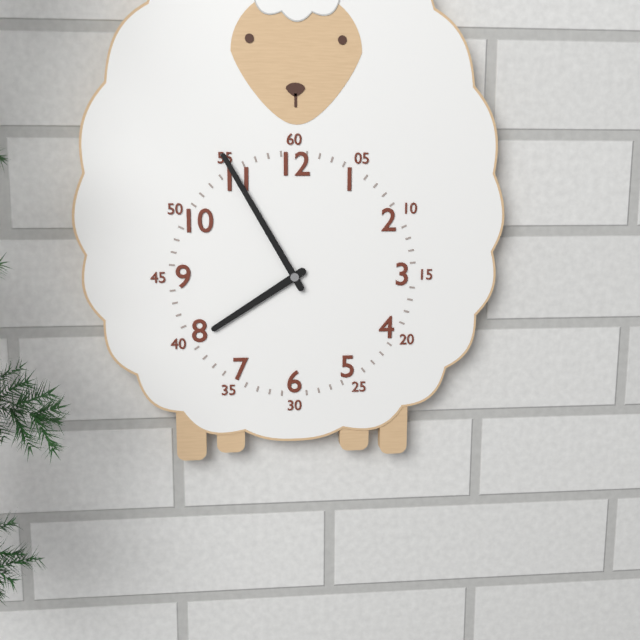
7:55
